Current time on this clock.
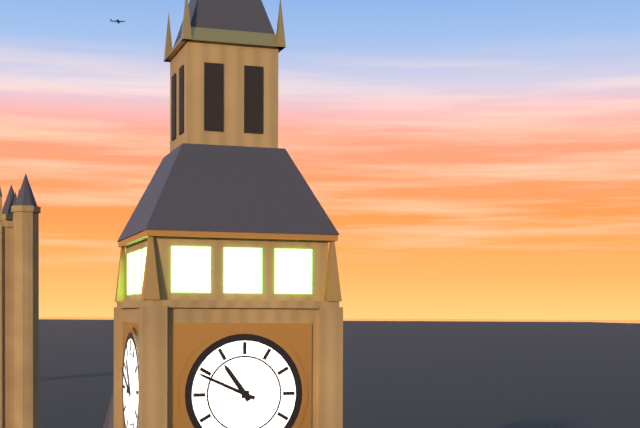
10:49
